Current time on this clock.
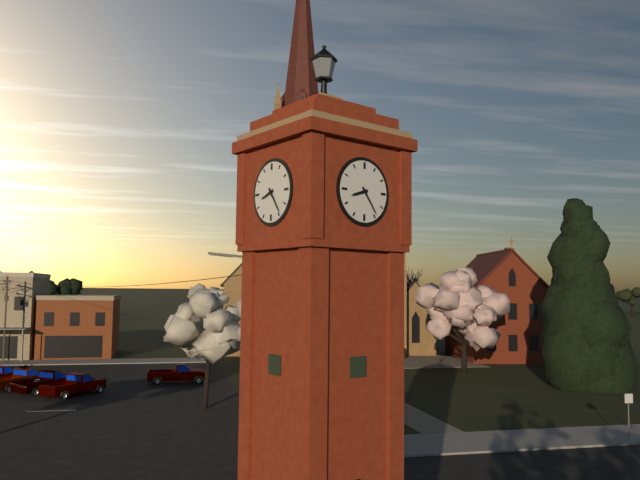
8:24
